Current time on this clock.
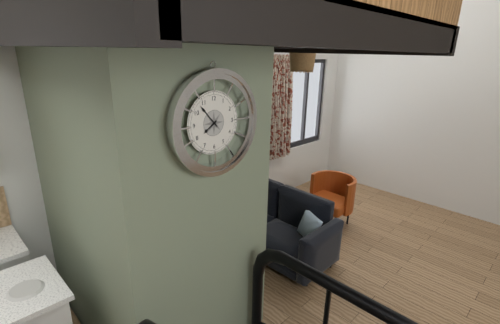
7:53
